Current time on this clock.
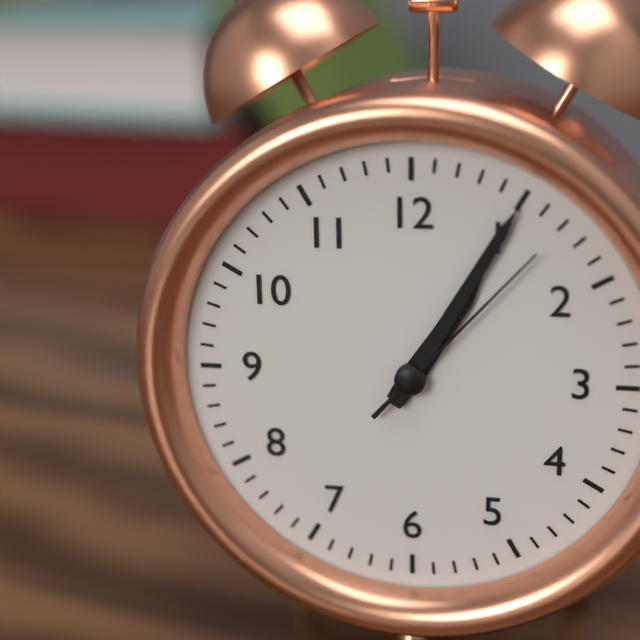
1:05:07
